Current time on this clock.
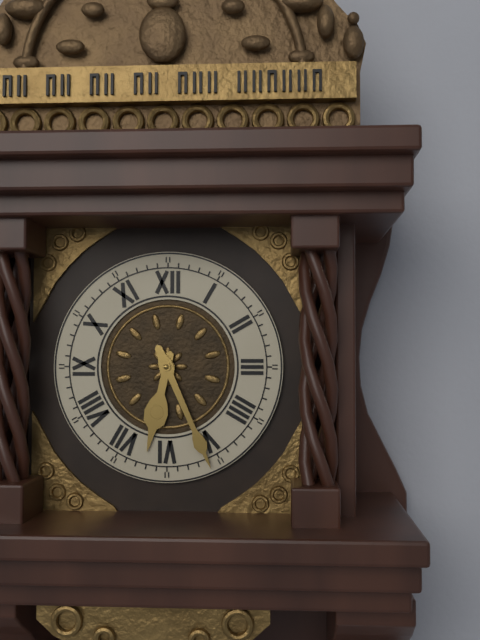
6:26
